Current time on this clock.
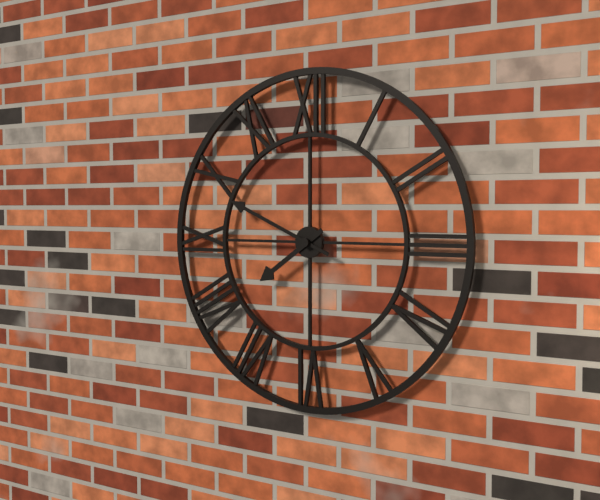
7:49
